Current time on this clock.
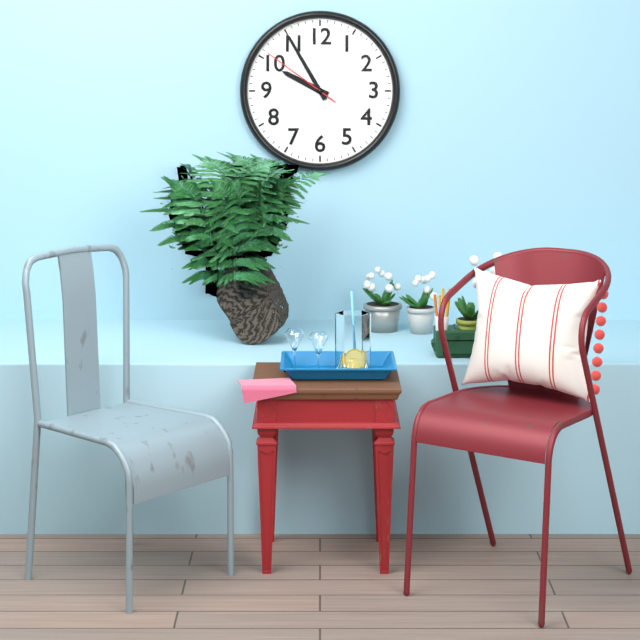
9:55:51
